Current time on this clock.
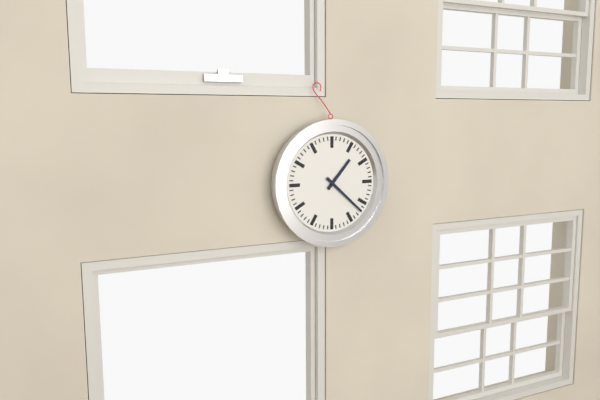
1:22
